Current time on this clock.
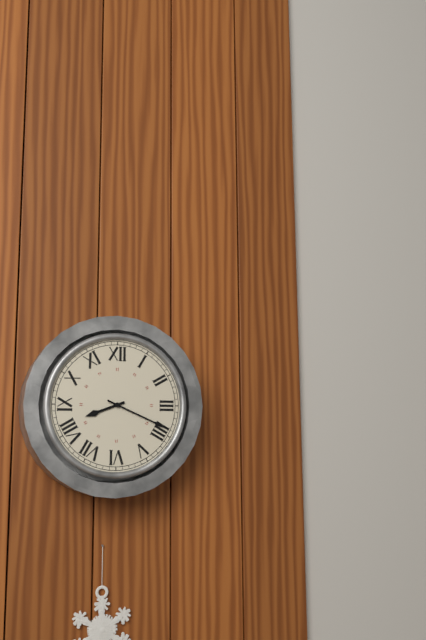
8:19
